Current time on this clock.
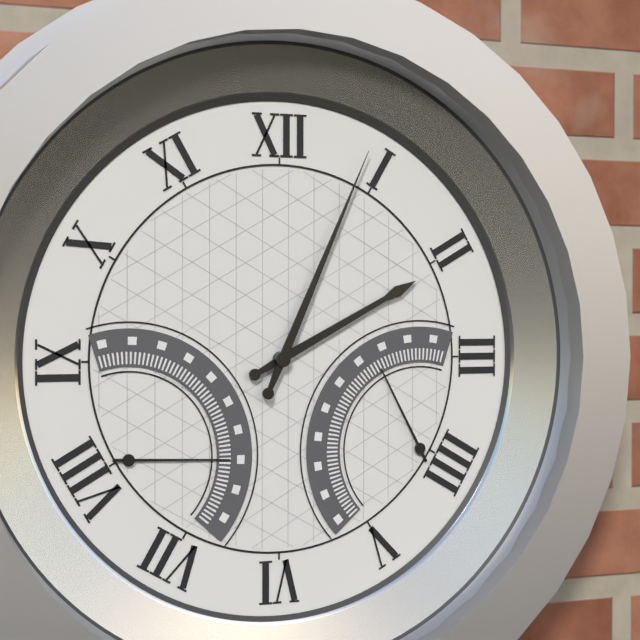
2:04
